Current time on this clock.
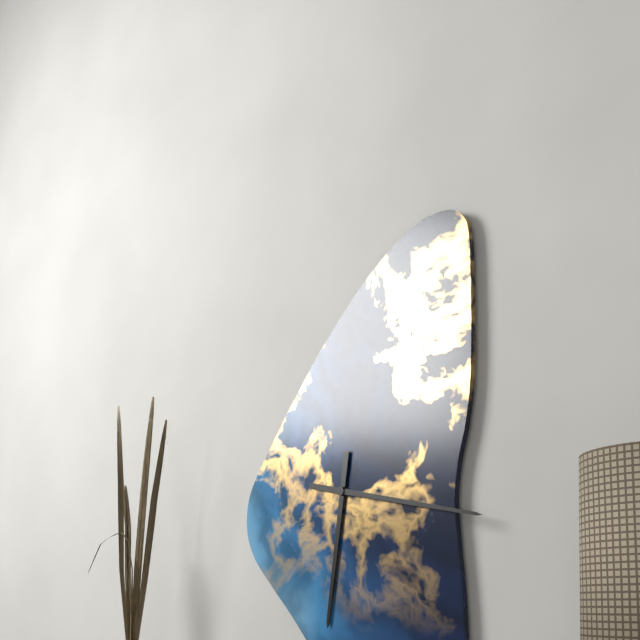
6:17
